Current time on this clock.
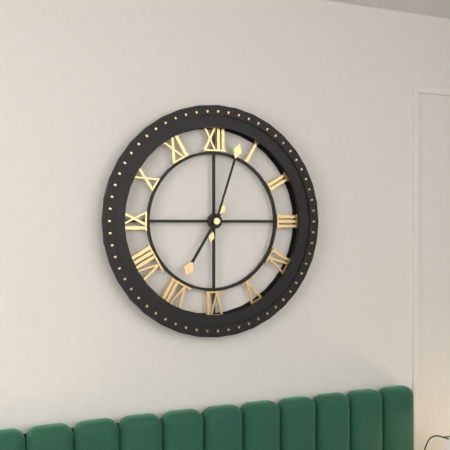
7:03
